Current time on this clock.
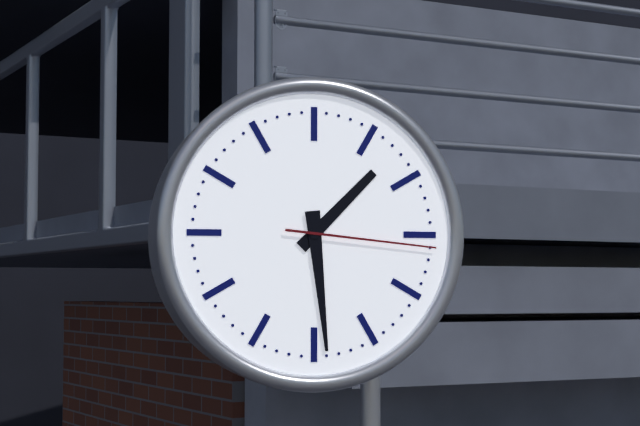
1:29:16
